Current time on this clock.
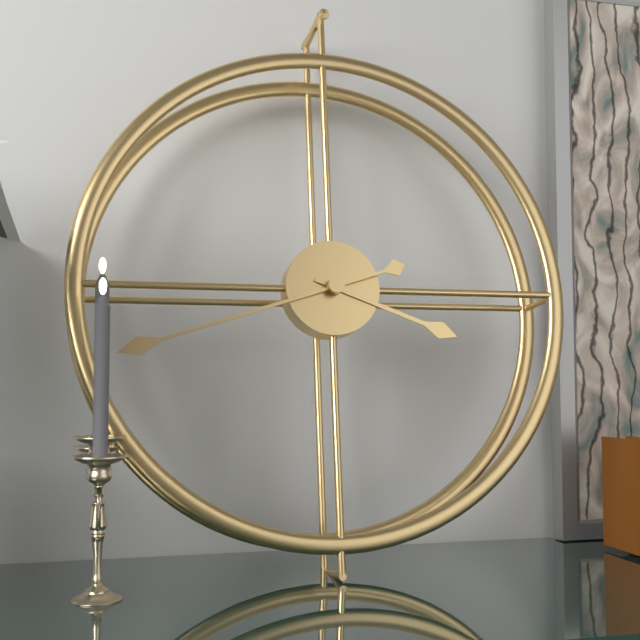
3:42
